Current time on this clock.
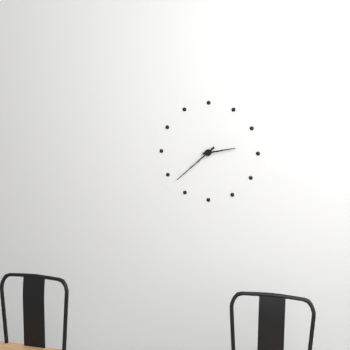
2:38
